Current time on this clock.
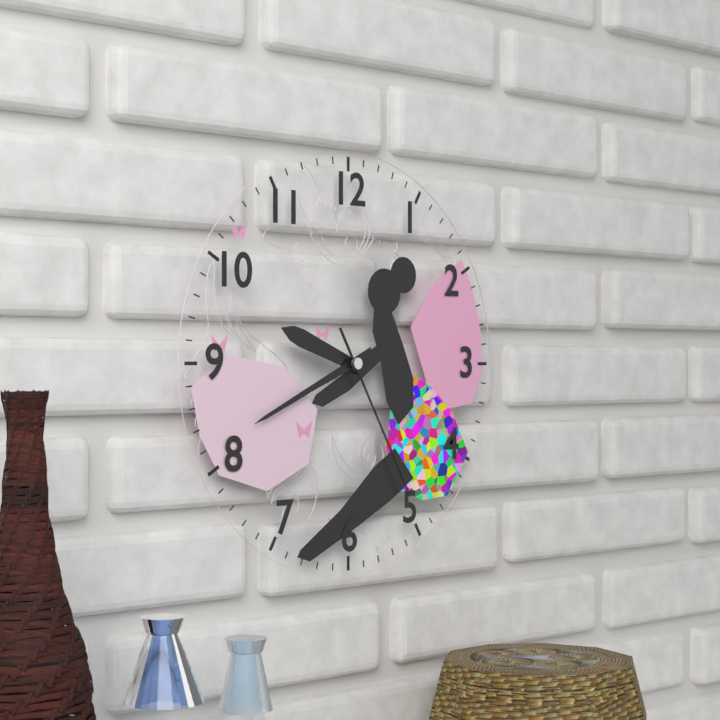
9:41:25
